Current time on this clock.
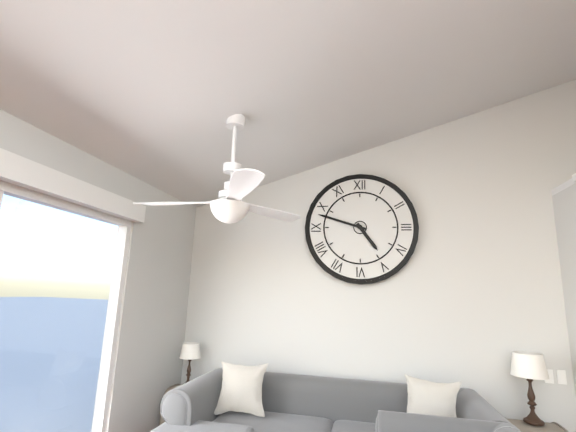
4:48
